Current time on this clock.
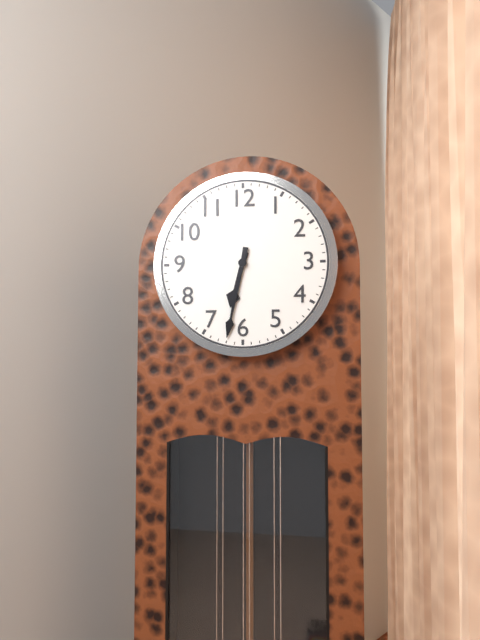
6:32
